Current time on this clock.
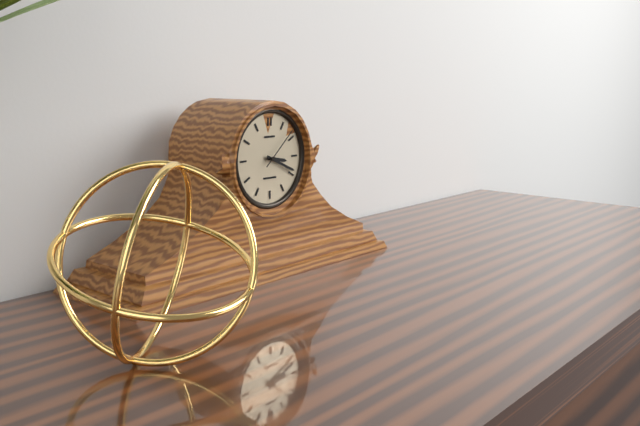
3:19
